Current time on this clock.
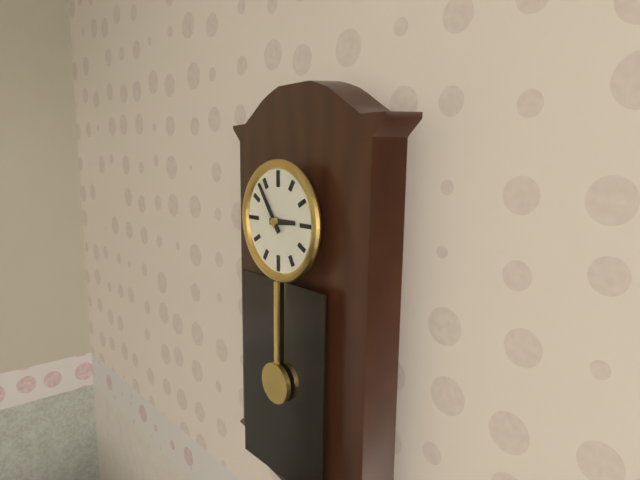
2:54
